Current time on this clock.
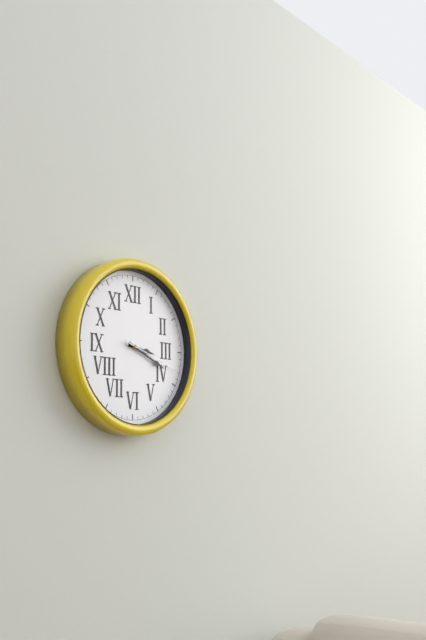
3:19:18
